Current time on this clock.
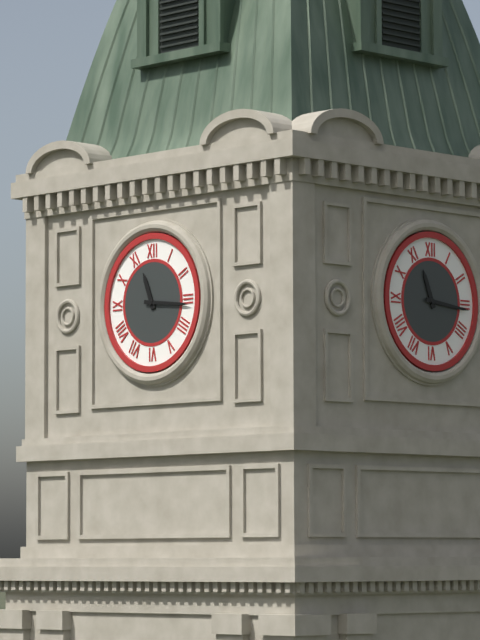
11:16
